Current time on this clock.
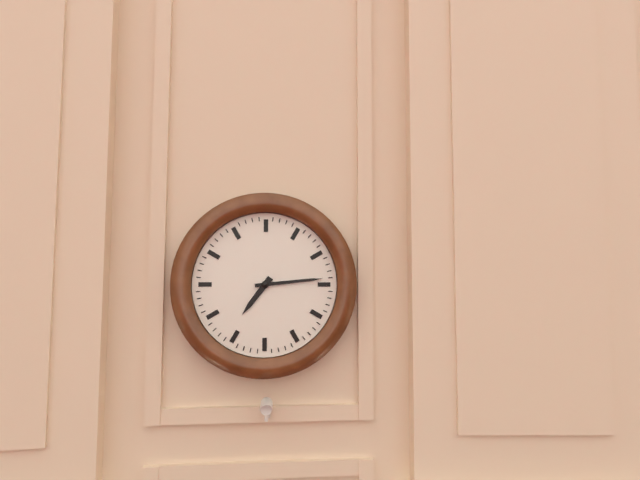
7:14
